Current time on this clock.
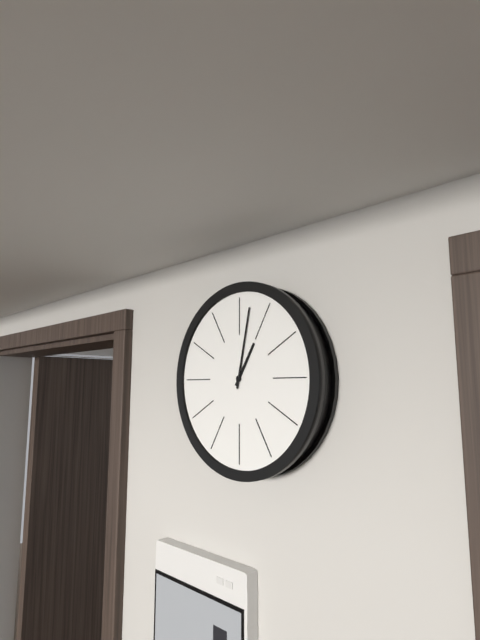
1:02
